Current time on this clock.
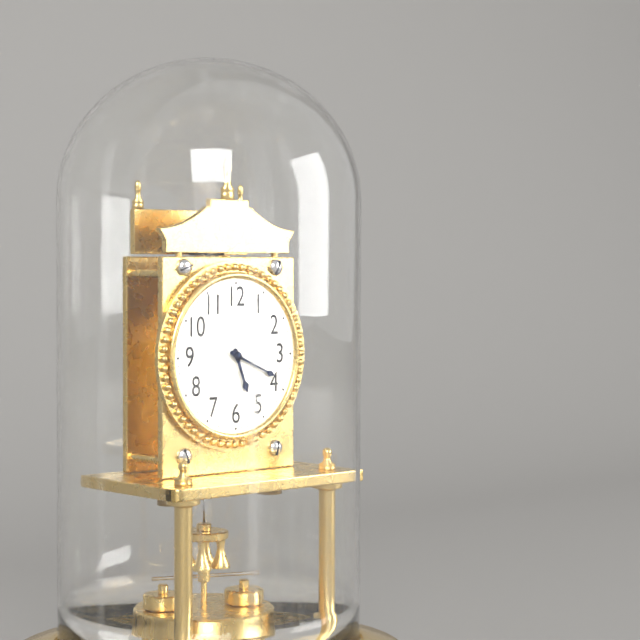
5:19
